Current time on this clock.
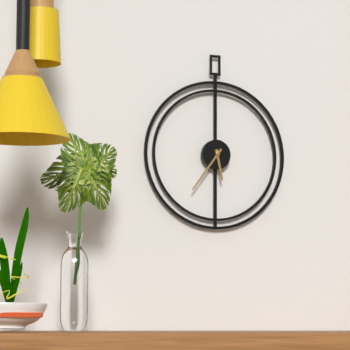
5:36
